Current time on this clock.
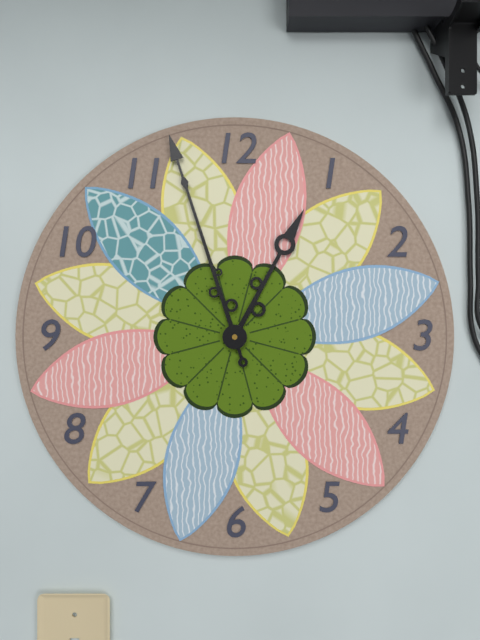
12:57
